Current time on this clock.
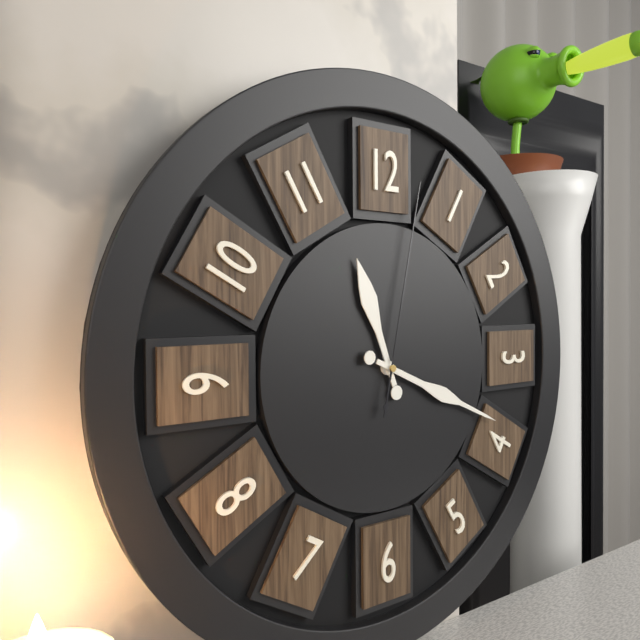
11:19:02
